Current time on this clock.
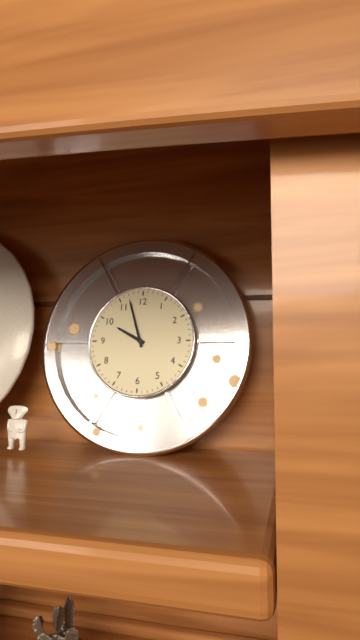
9:57
